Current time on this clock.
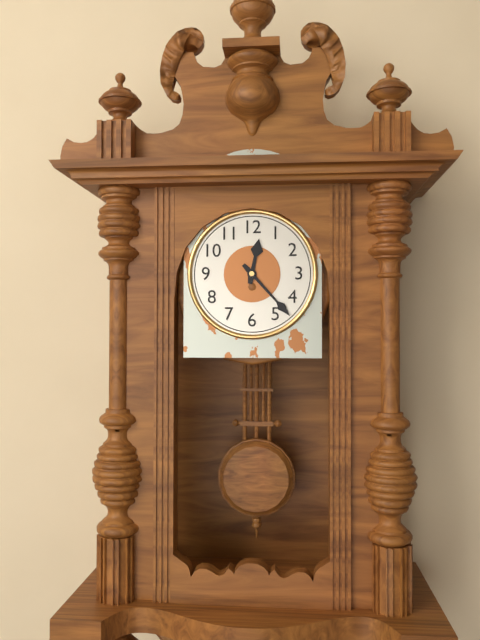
12:23
